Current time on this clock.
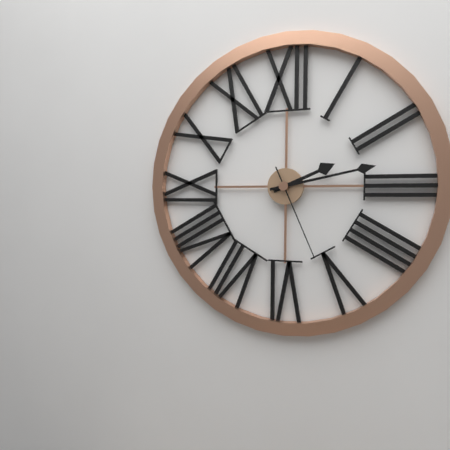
2:13:26
